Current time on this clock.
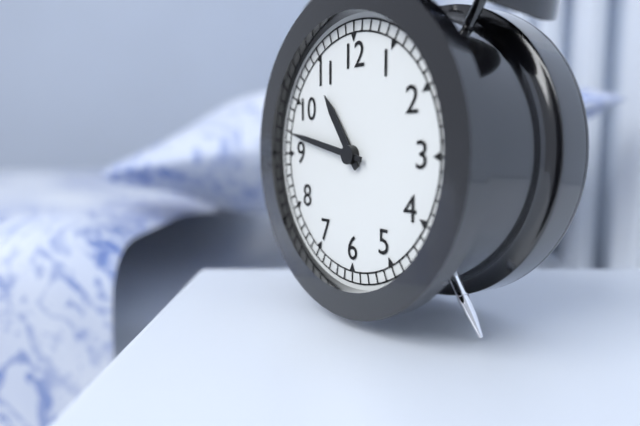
10:47
